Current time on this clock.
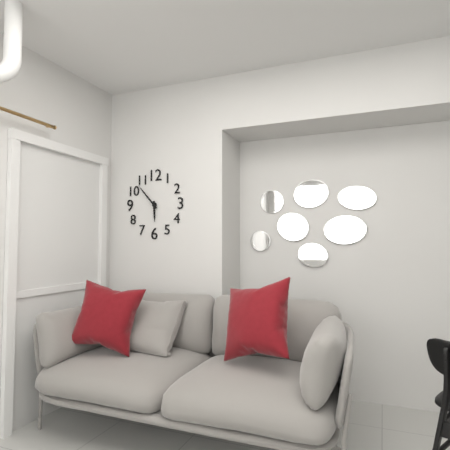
5:53
